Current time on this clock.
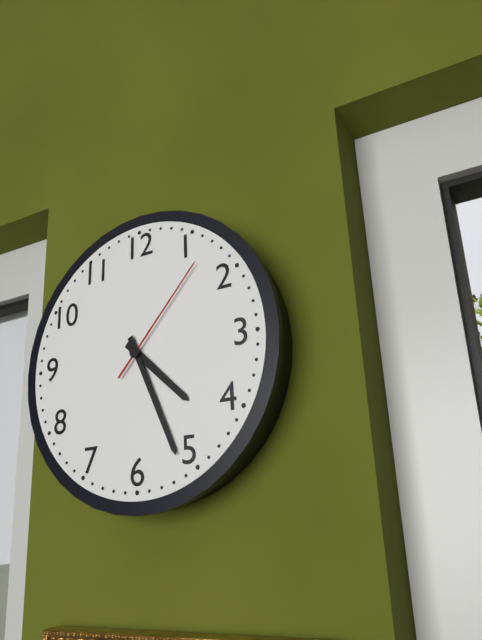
4:26:07
